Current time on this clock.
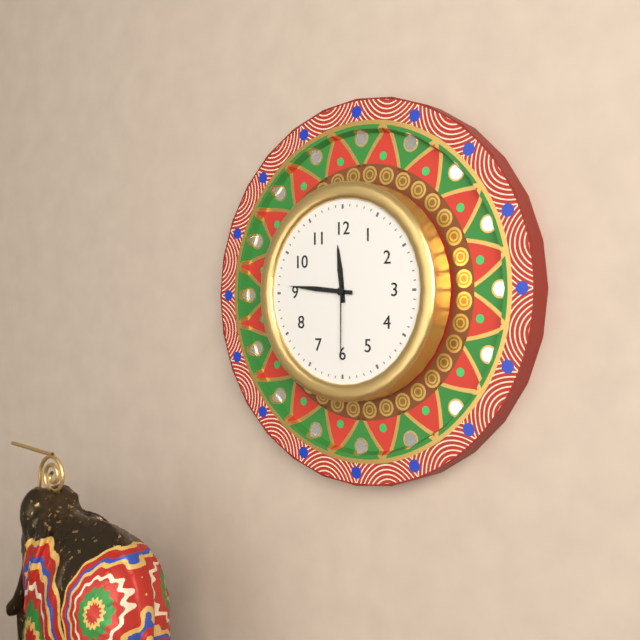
11:46:30
